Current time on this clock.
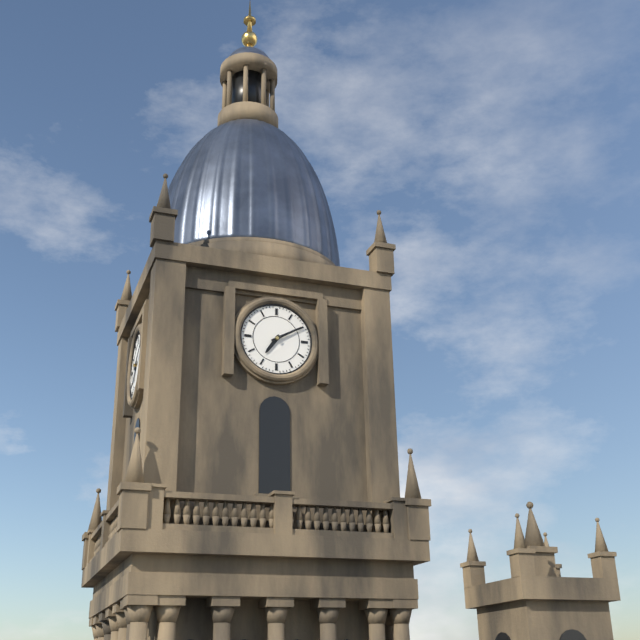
7:10
